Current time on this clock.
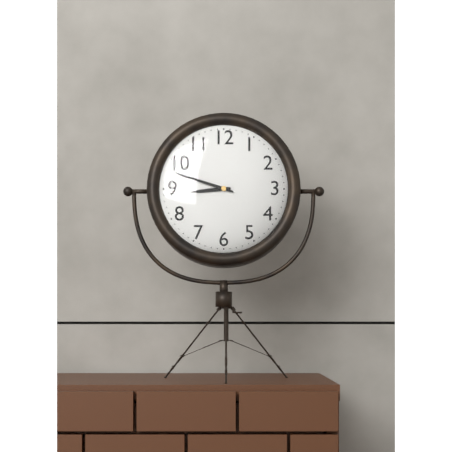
8:48
